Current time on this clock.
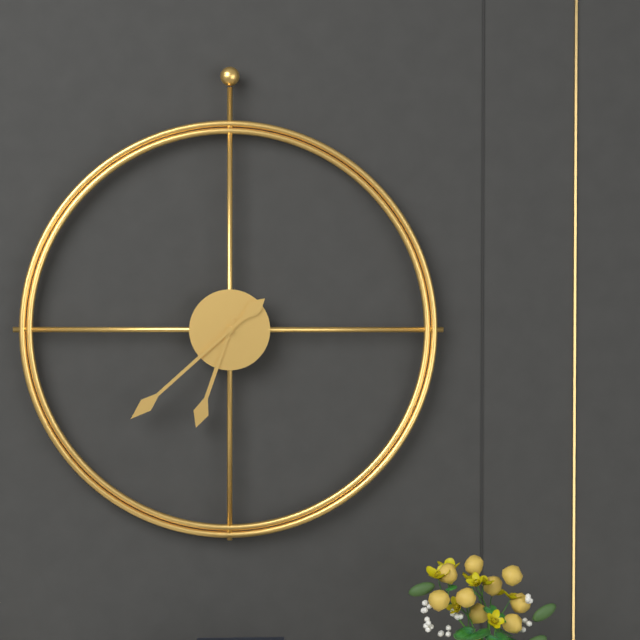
6:38
